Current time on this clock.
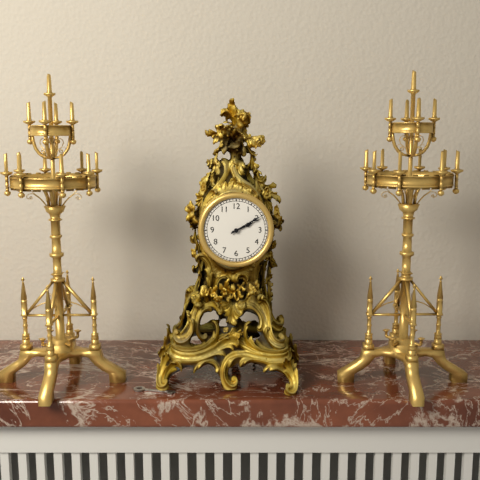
2:10
